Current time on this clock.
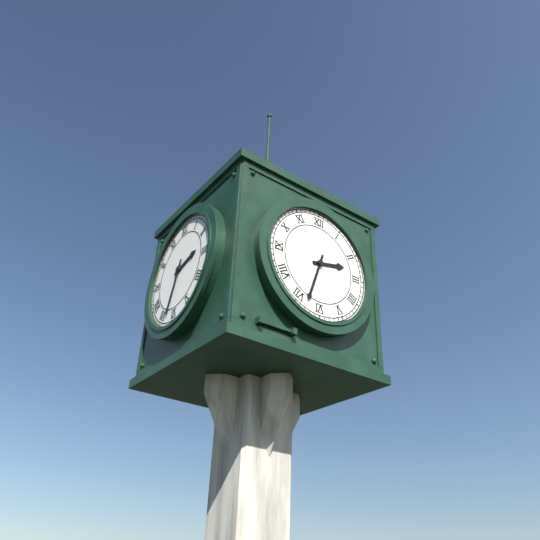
2:33
